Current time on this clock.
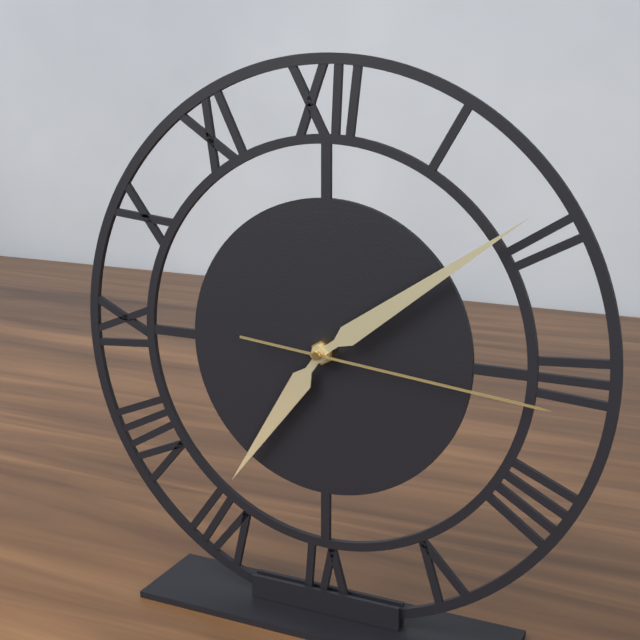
7:09:16
